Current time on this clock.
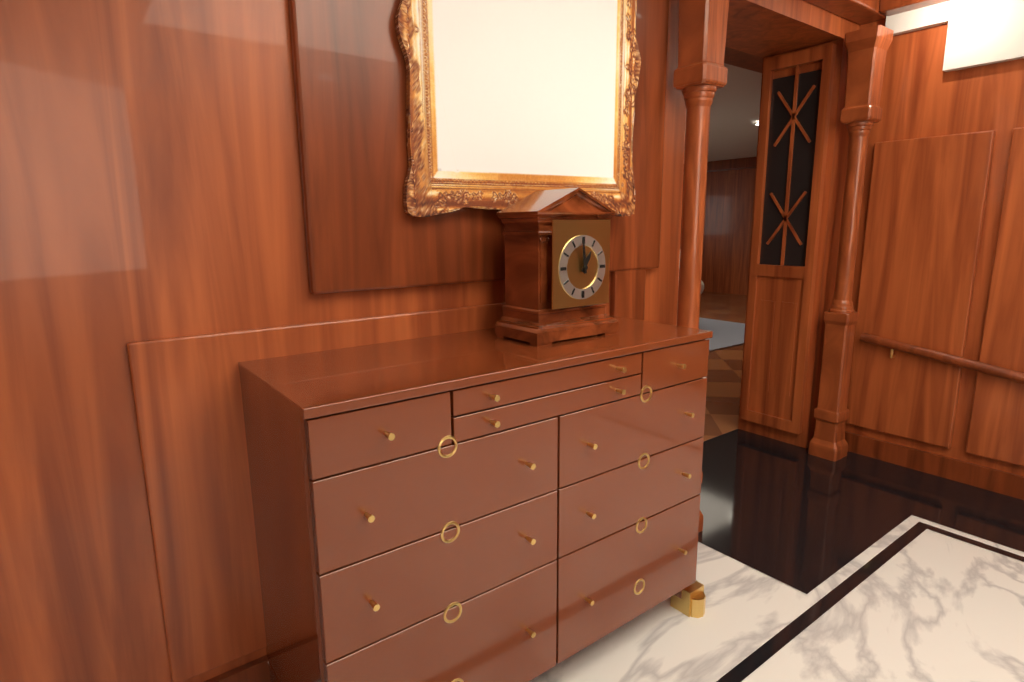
12:59
